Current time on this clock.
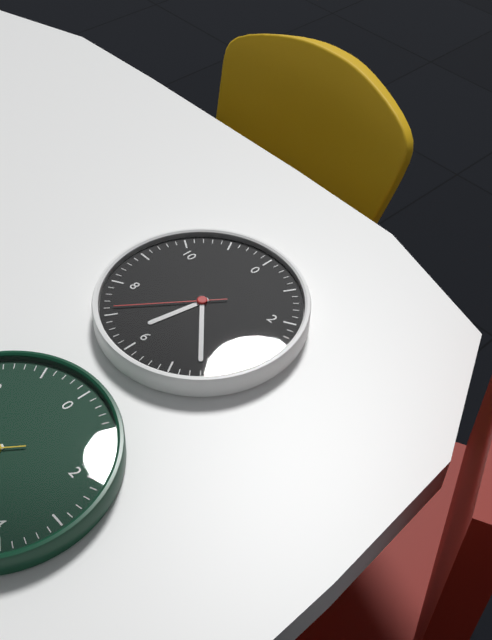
6:22:36
